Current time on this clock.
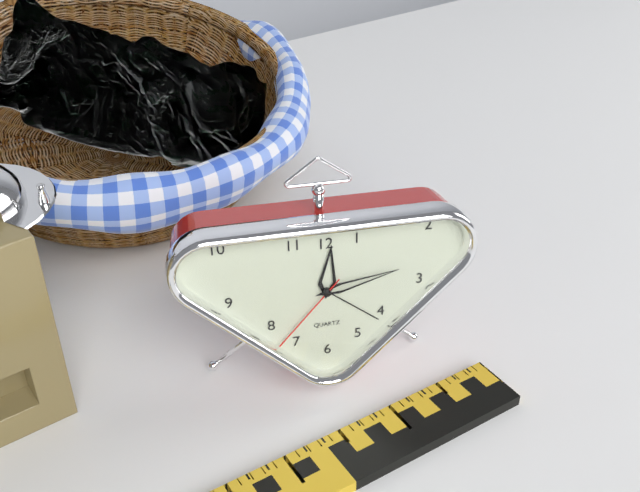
12:13:37
